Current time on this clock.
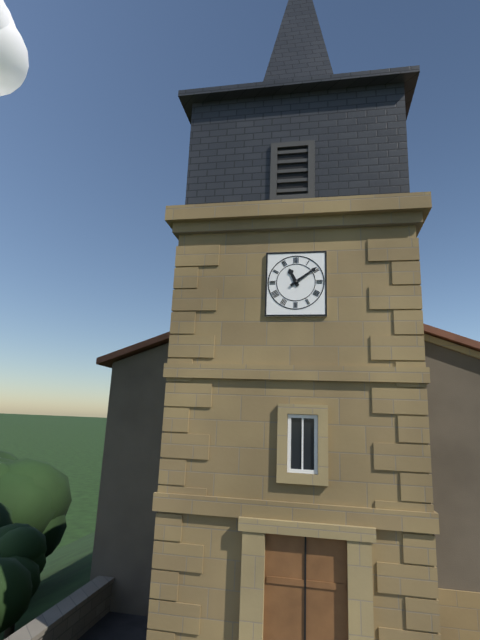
11:09
